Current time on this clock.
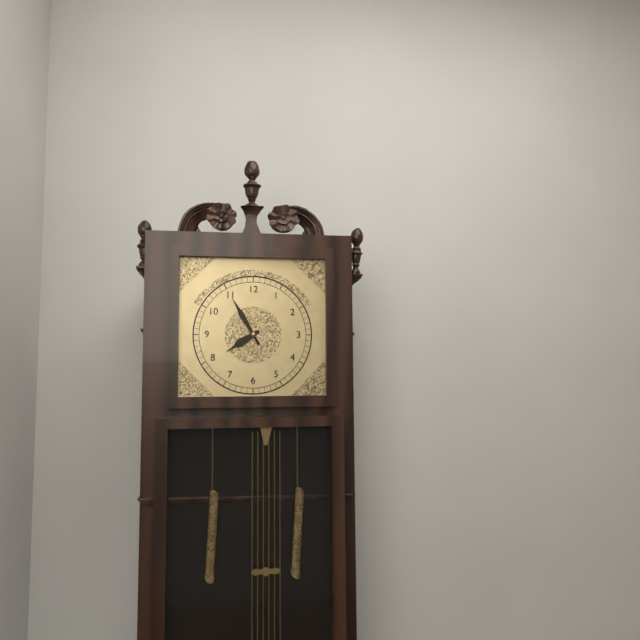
7:55
